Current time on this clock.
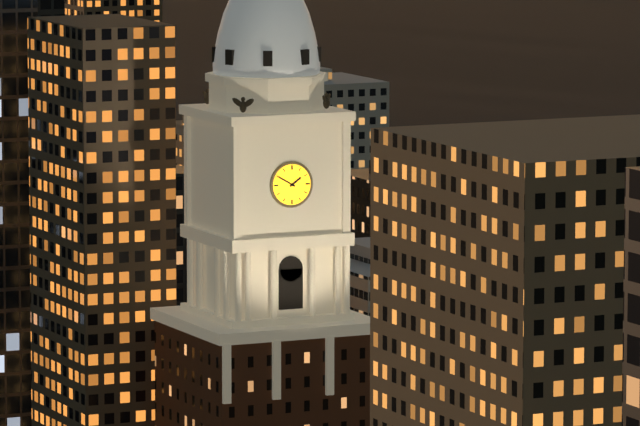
1:50
